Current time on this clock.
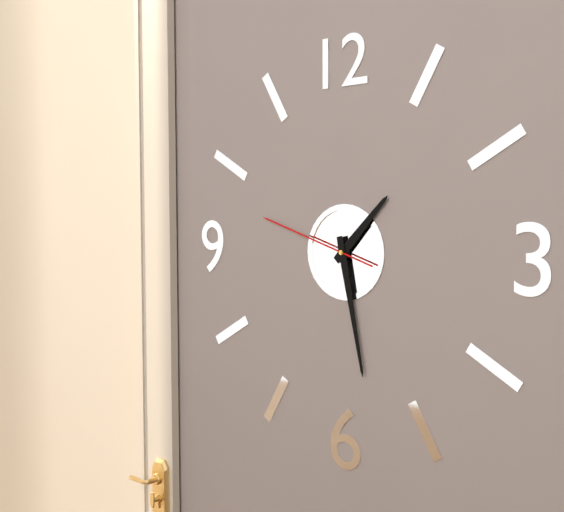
1:28:48
